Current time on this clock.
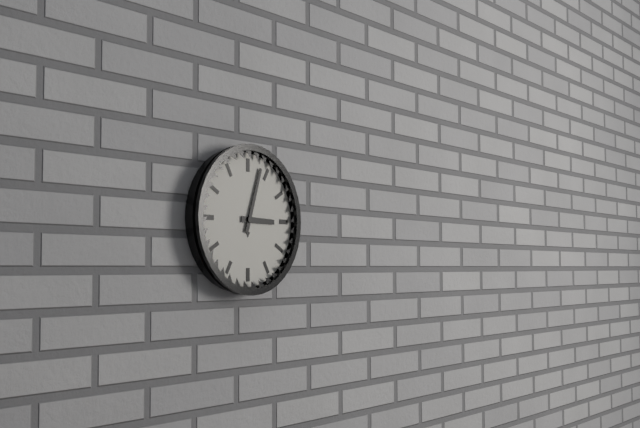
3:03
